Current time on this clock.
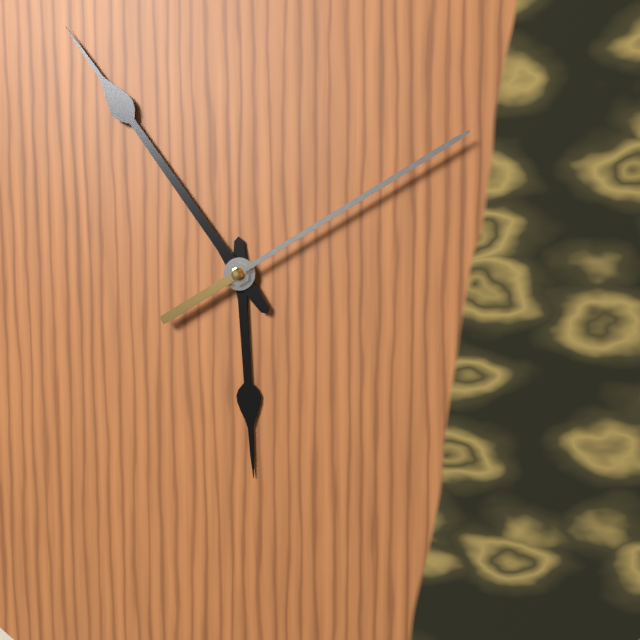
5:54:10
